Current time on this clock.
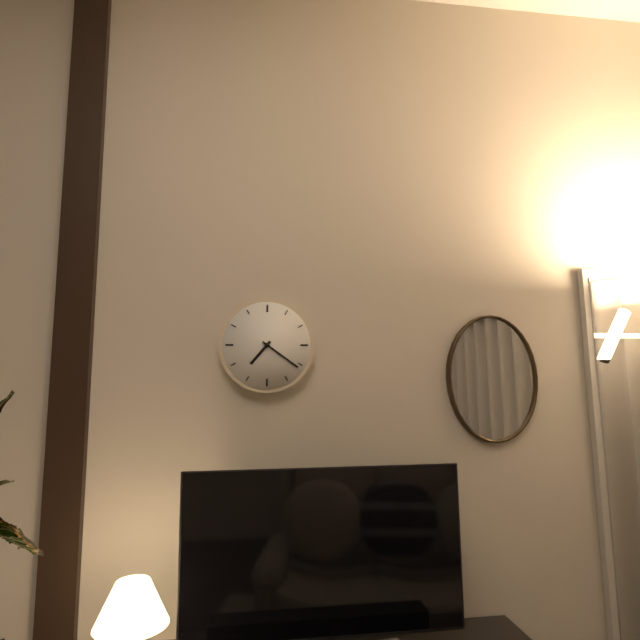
7:21
